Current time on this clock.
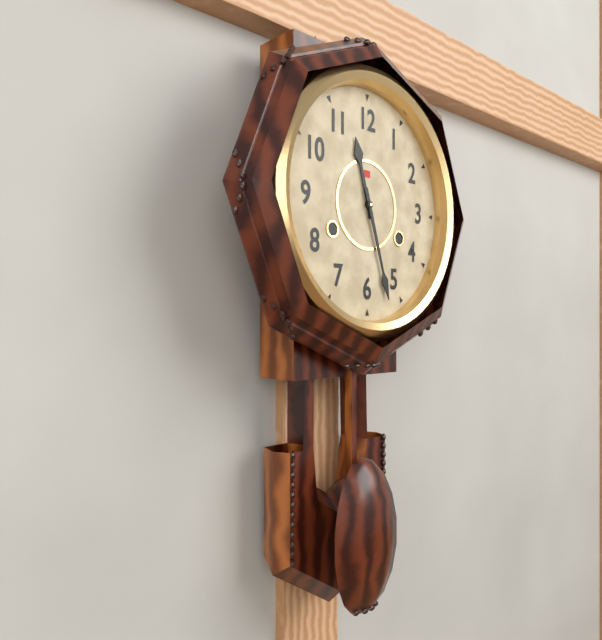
11:27
